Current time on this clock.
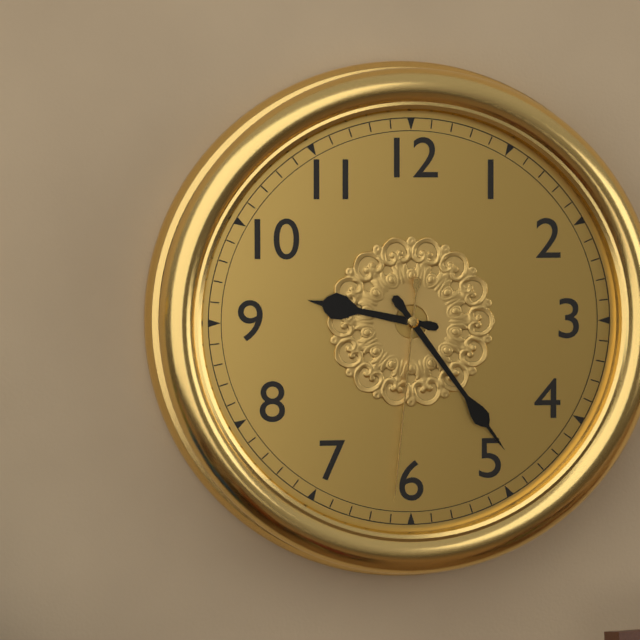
9:24:31
